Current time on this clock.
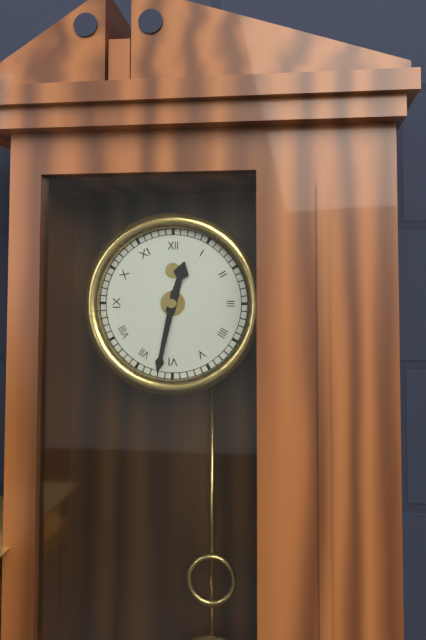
12:32
